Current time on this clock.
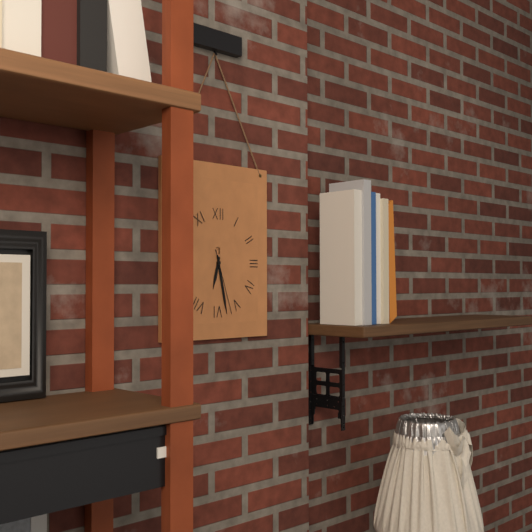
6:28:27
